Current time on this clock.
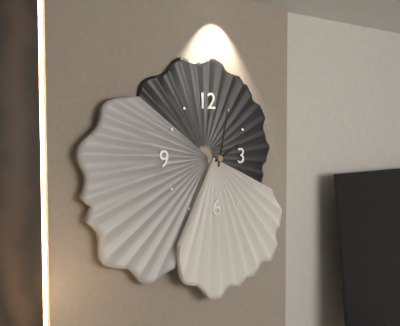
2:02
